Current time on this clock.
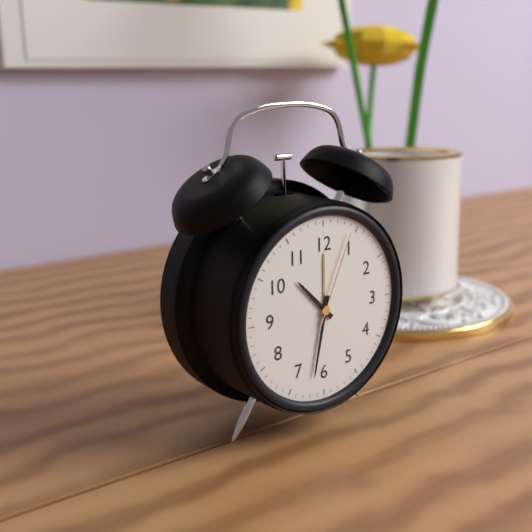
10:32:04
